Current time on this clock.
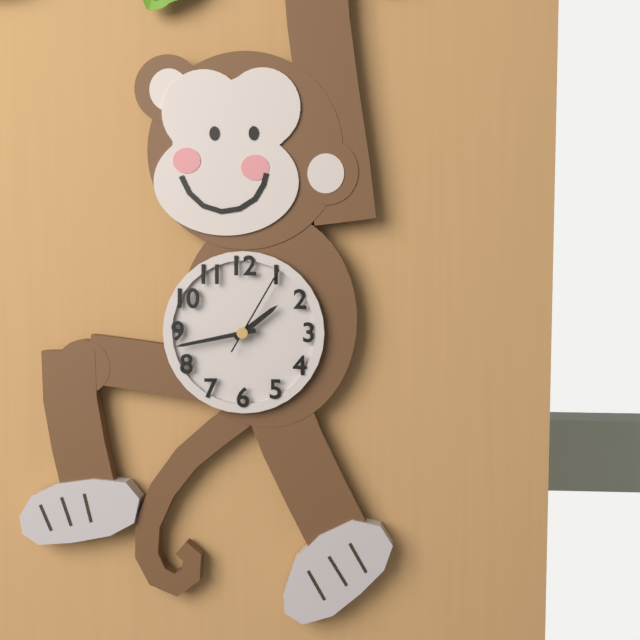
1:43:05
